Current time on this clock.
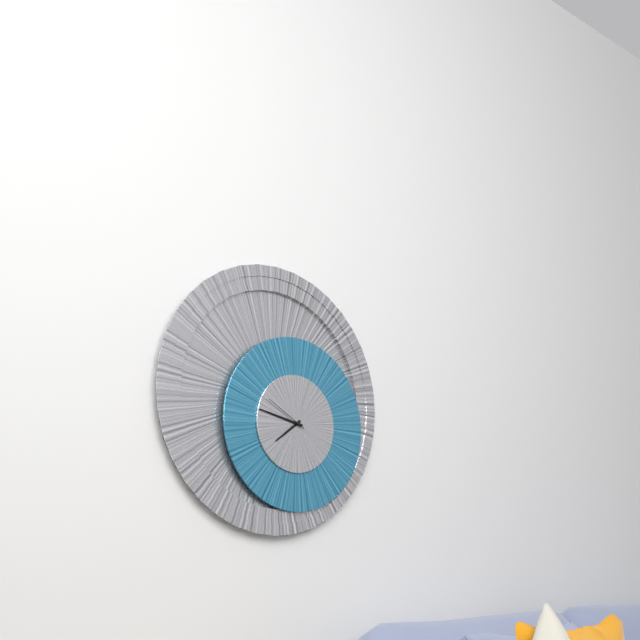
7:47
